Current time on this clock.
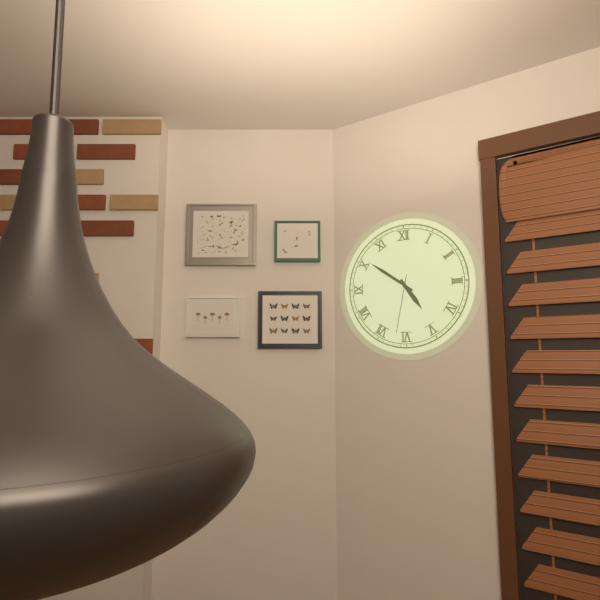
4:51:32
